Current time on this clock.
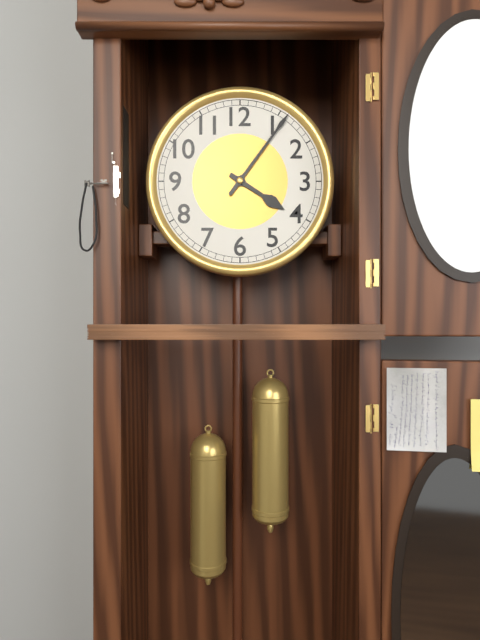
4:06
